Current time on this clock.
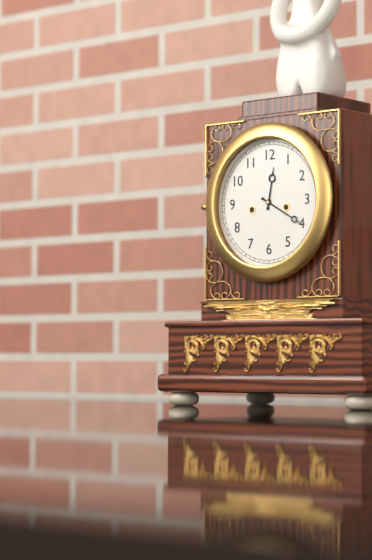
12:20
